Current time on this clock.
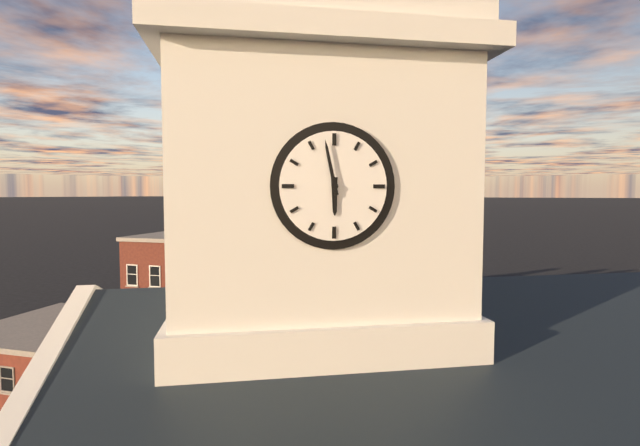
5:58
